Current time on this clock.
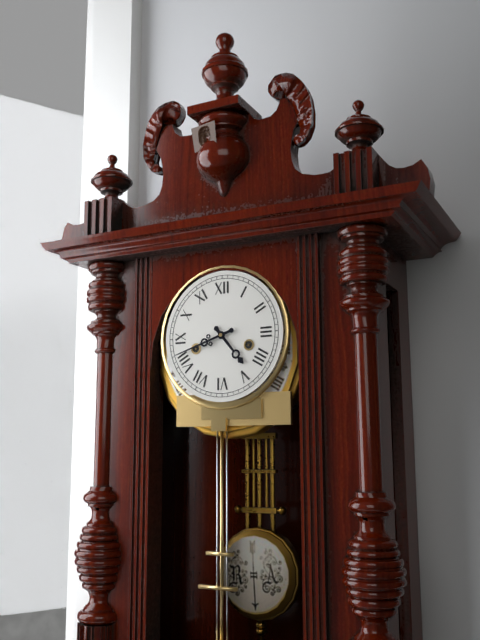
4:42
